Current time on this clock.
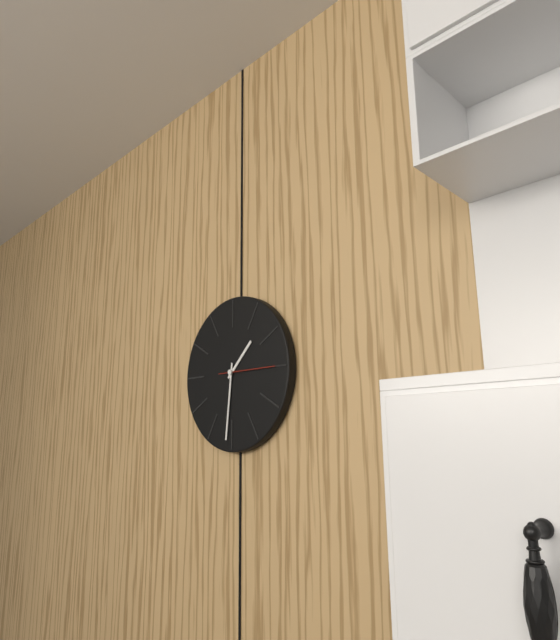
1:31:15
